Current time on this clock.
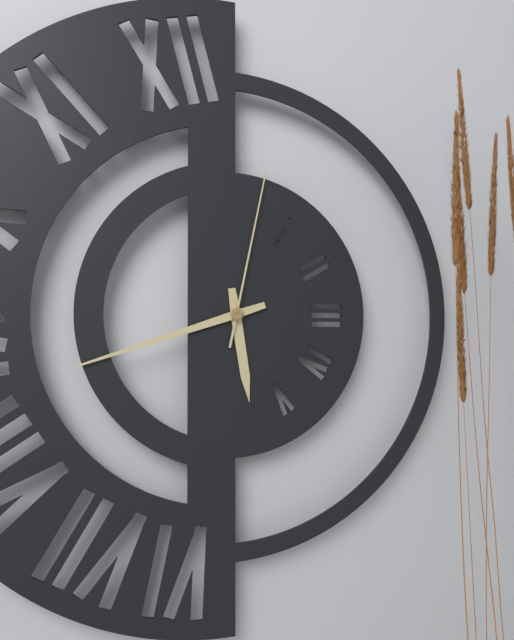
5:42:02
